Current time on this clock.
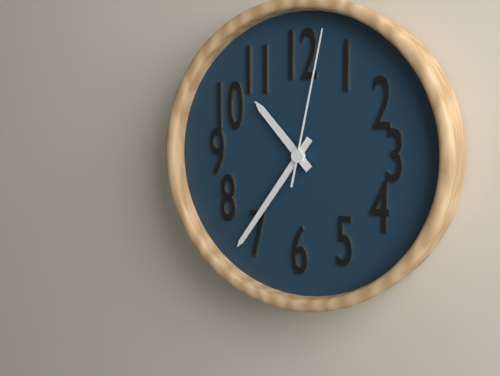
10:36:02
